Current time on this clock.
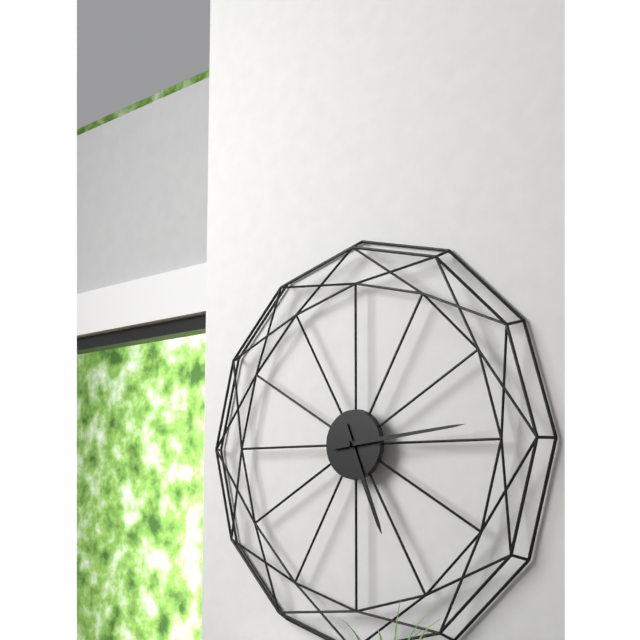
5:14
